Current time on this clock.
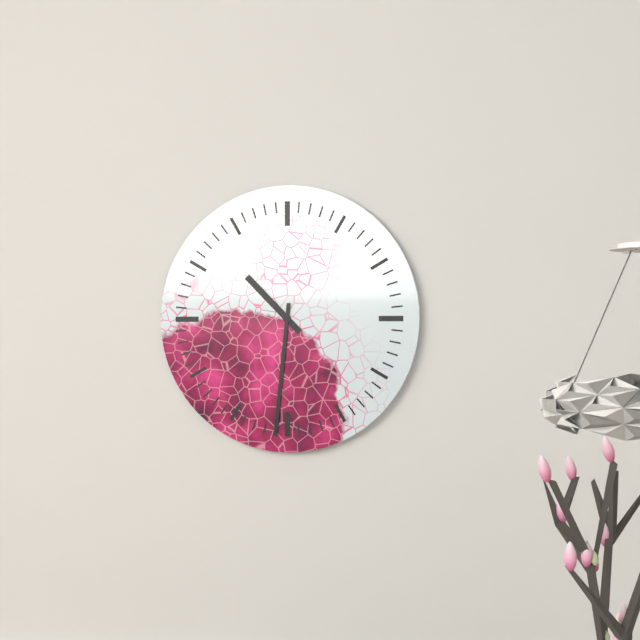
10:31
